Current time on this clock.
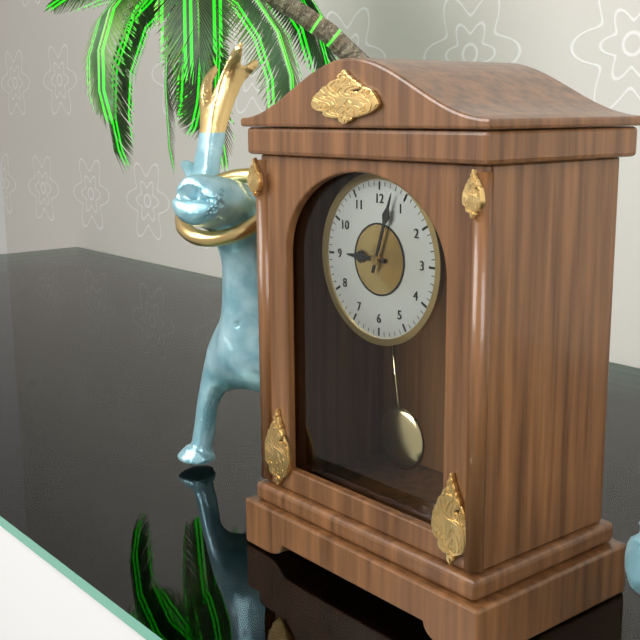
9:03
